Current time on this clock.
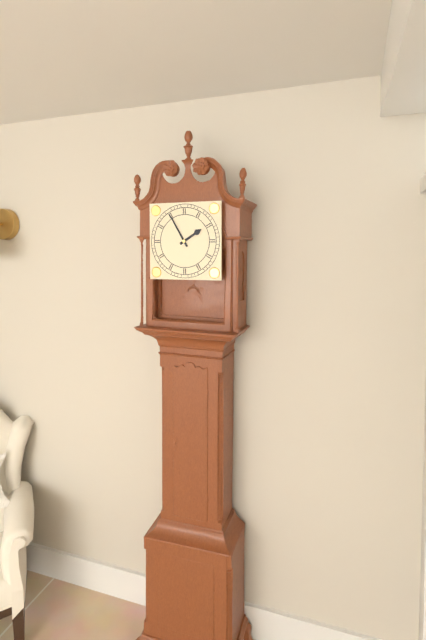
1:55
